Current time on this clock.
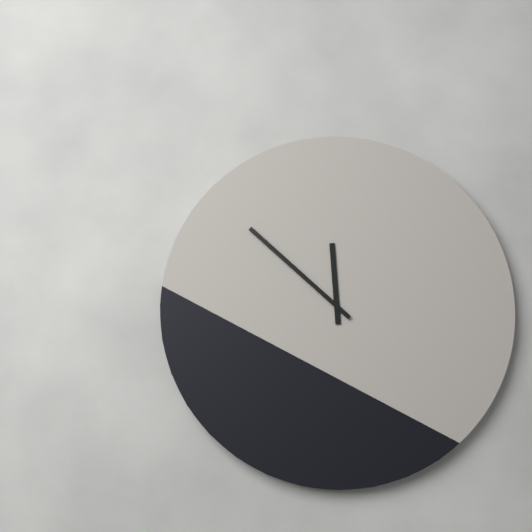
11:52
